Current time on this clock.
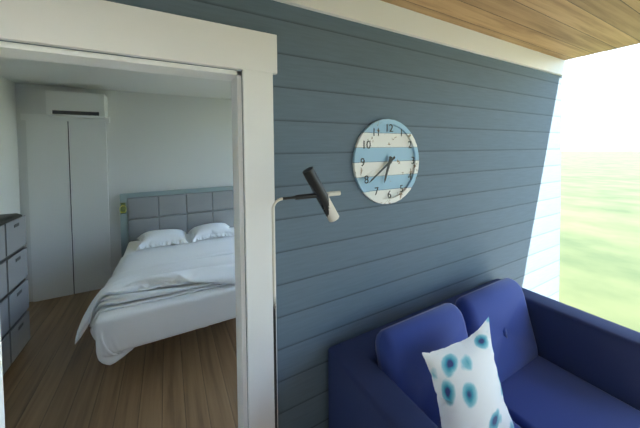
6:39
